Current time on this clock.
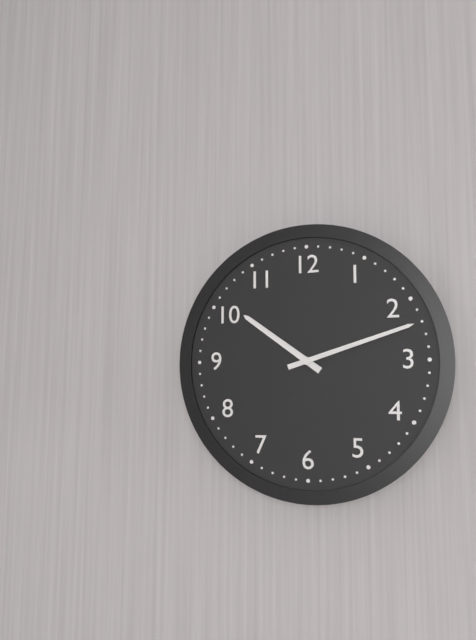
10:12
